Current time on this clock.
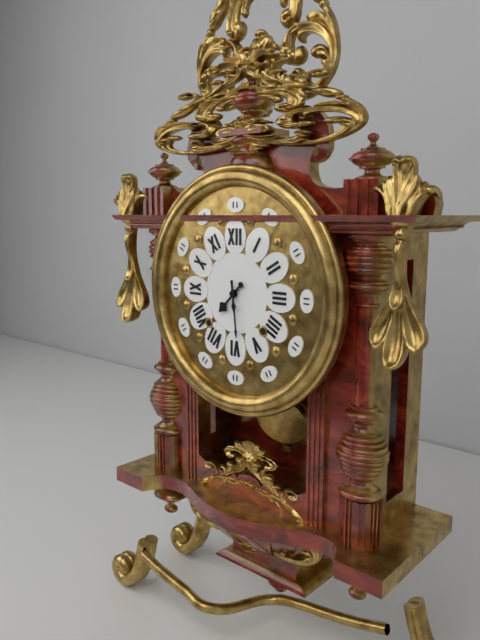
7:29
